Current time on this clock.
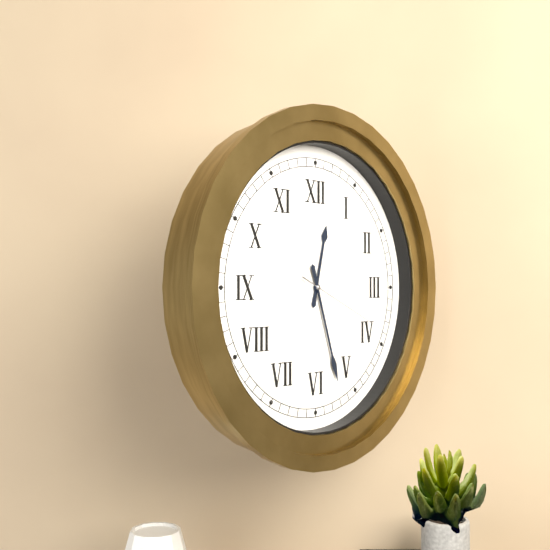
12:27:19
